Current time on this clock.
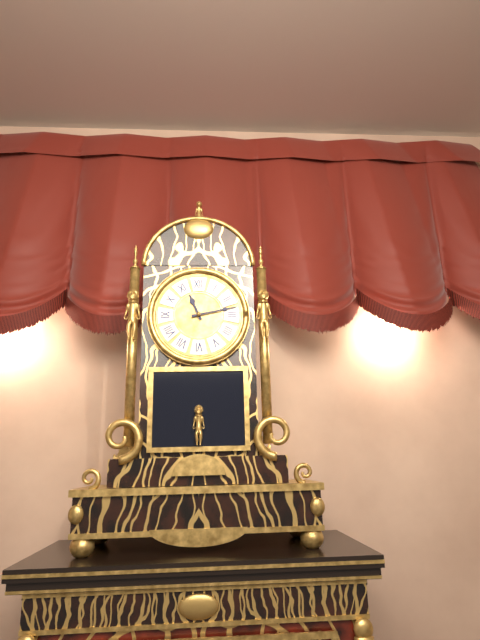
11:13
